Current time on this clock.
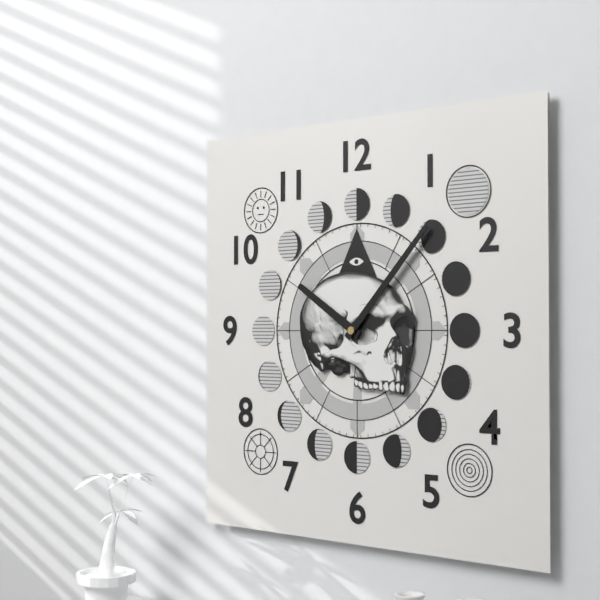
10:07
